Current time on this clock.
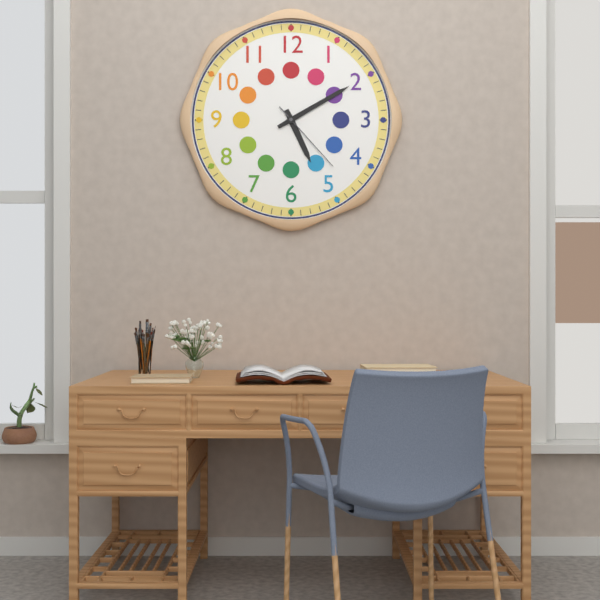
5:10:23
